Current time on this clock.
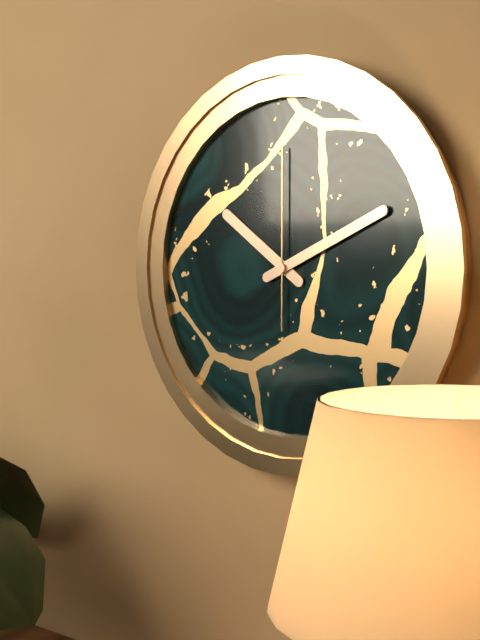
10:11:00
